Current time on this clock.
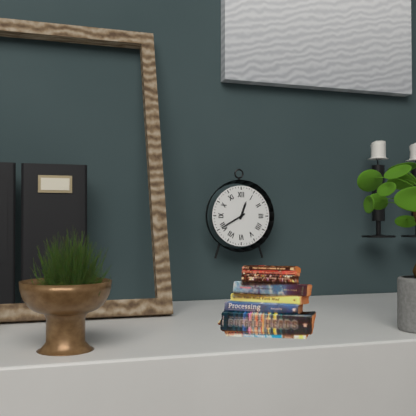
12:40
